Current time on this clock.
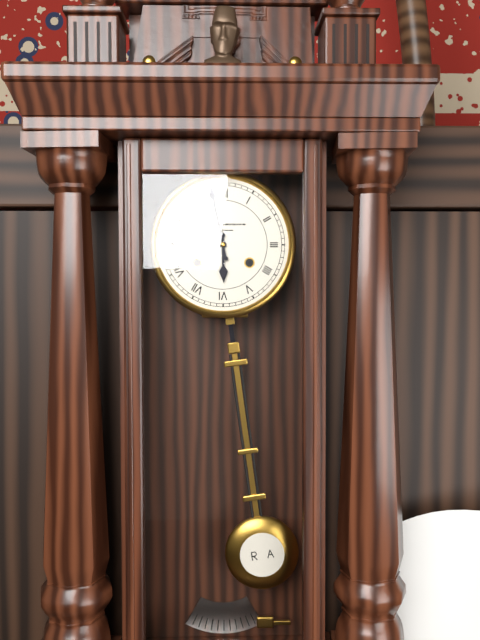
5:58
